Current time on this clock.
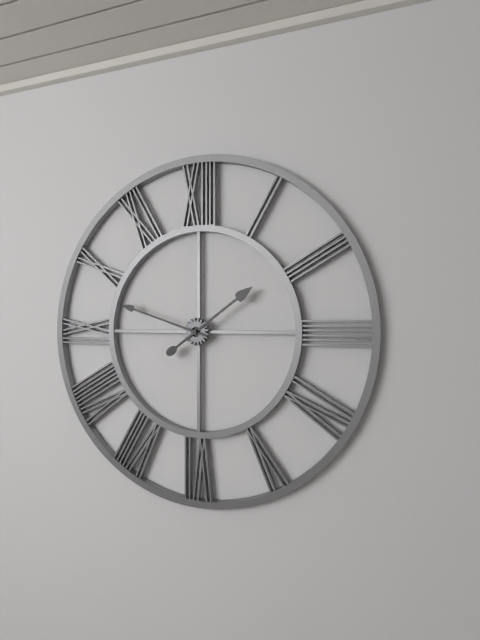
1:48
